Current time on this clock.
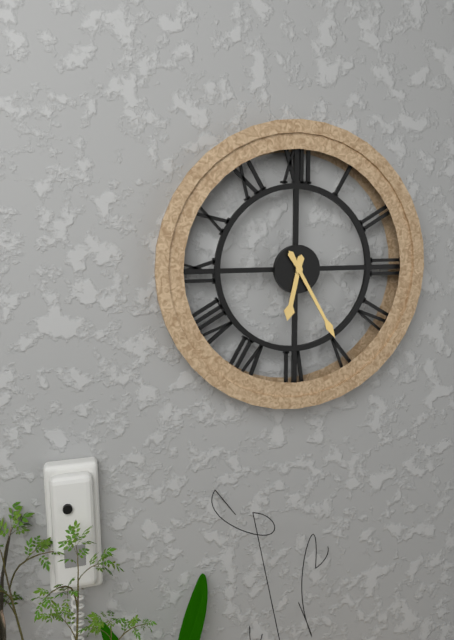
6:25
